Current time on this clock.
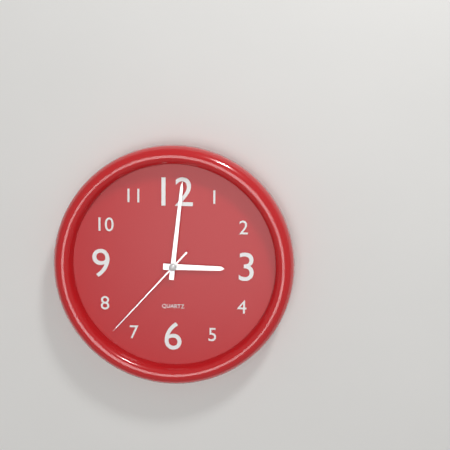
3:01:37
